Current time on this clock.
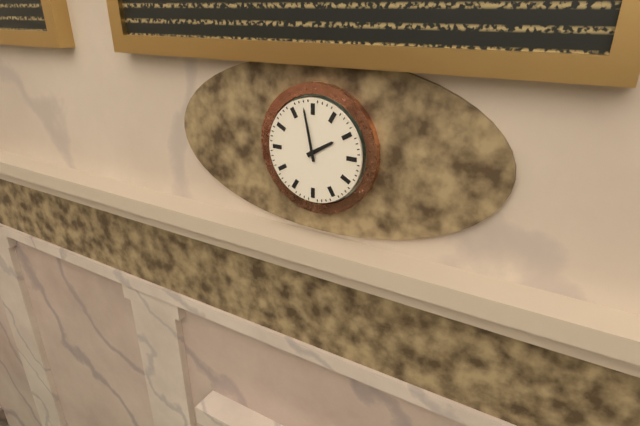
1:58
